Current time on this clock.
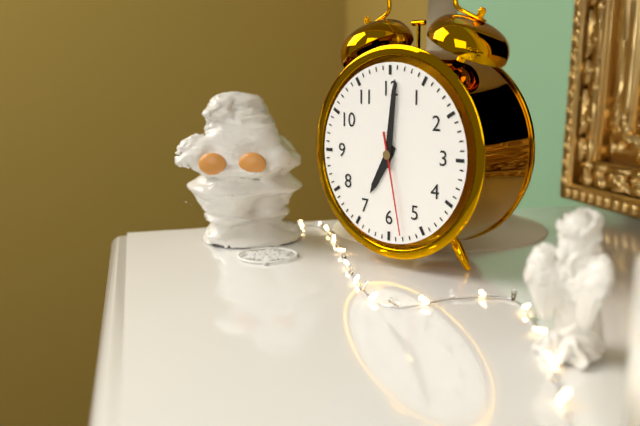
7:01:28
